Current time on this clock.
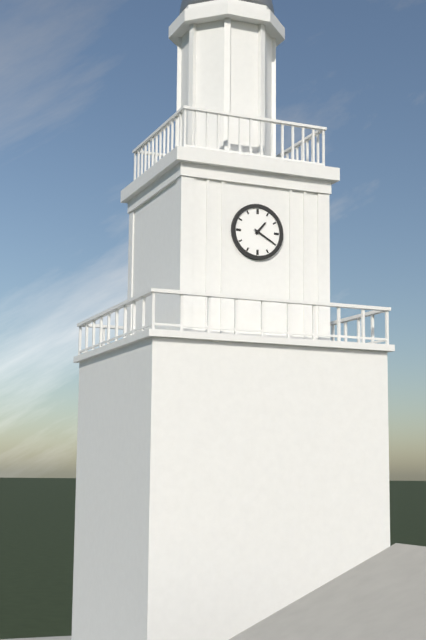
1:20
